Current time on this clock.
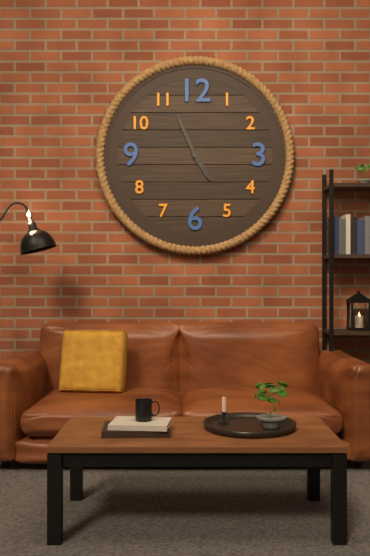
4:56
